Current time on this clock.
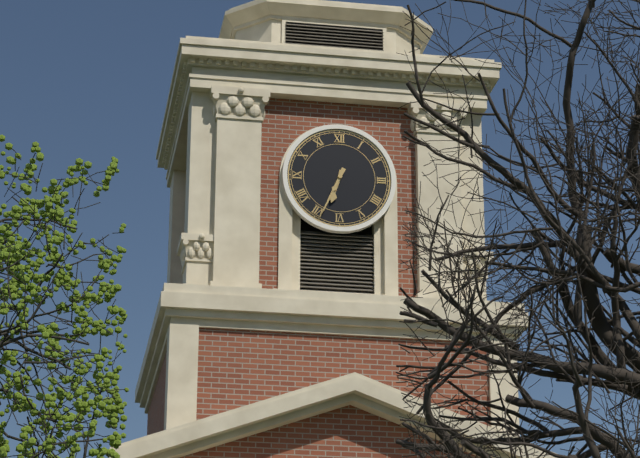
6:34
